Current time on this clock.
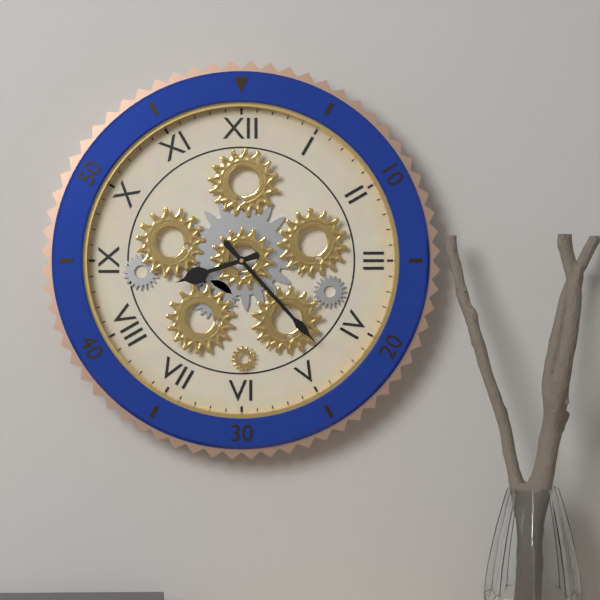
8:23
